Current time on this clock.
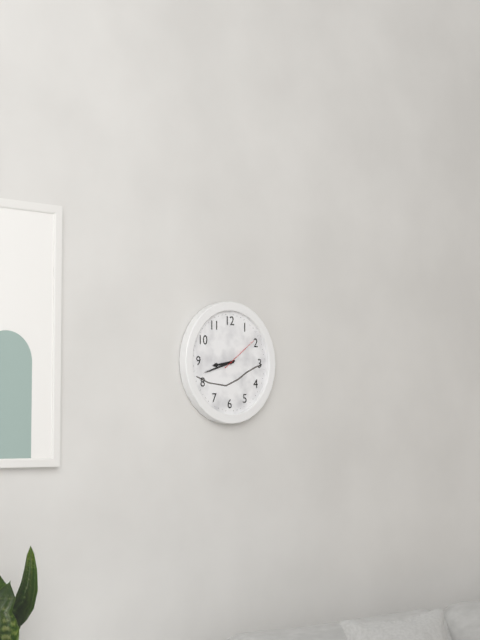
8:42
